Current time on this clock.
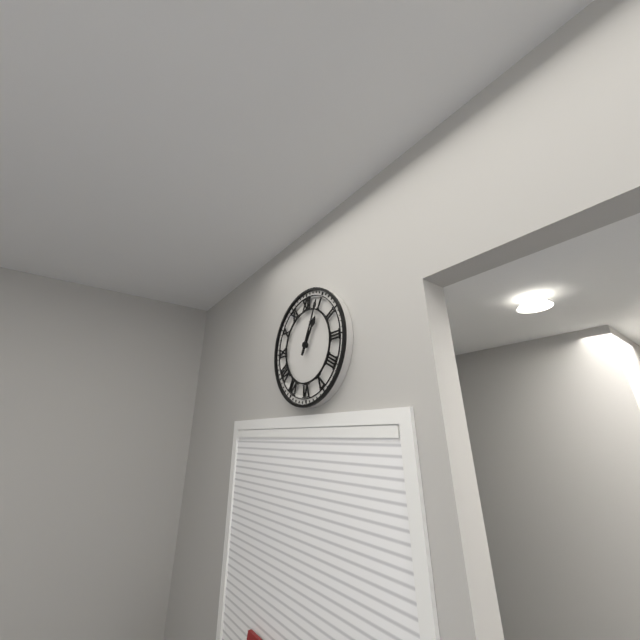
1:04
